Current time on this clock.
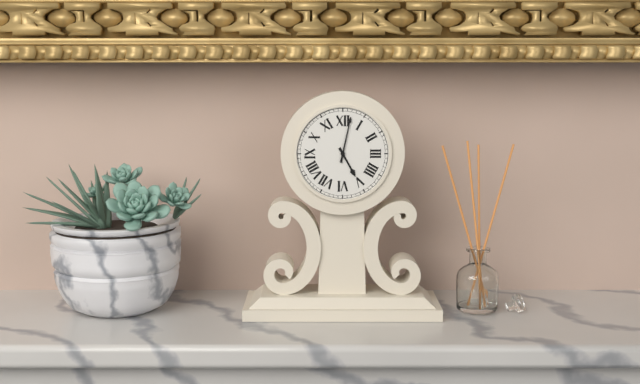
5:02
